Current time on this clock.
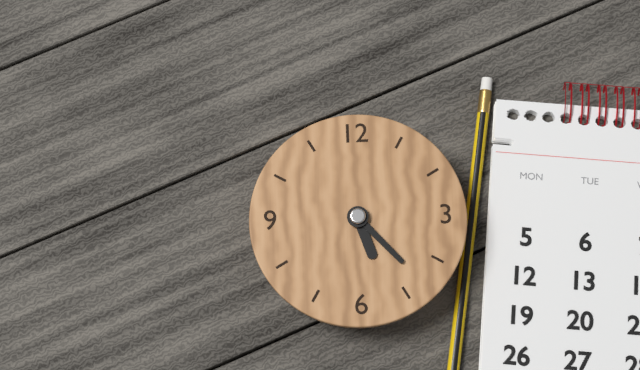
5:23
